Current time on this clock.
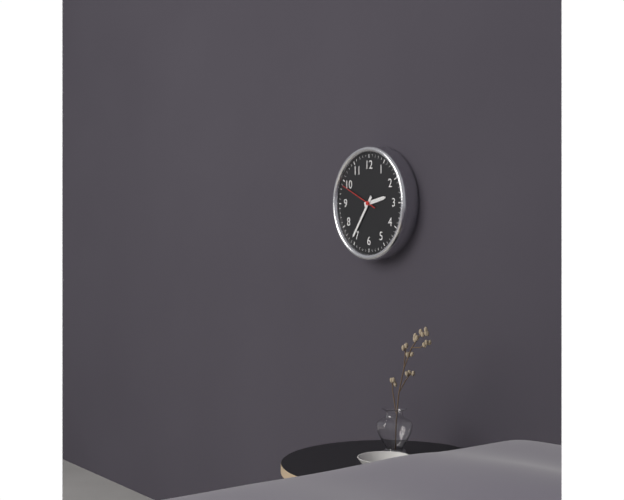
2:36
